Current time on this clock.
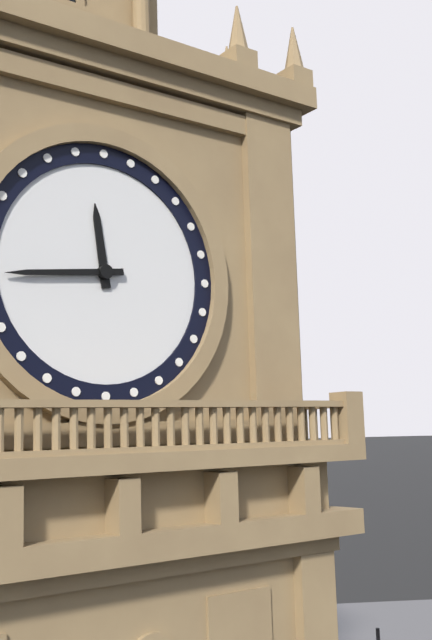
11:44
